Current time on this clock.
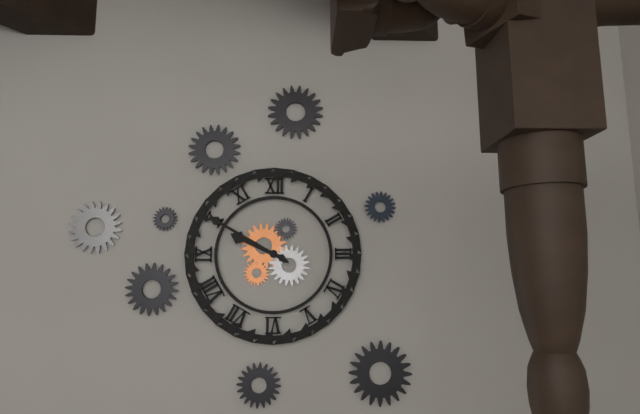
9:50
